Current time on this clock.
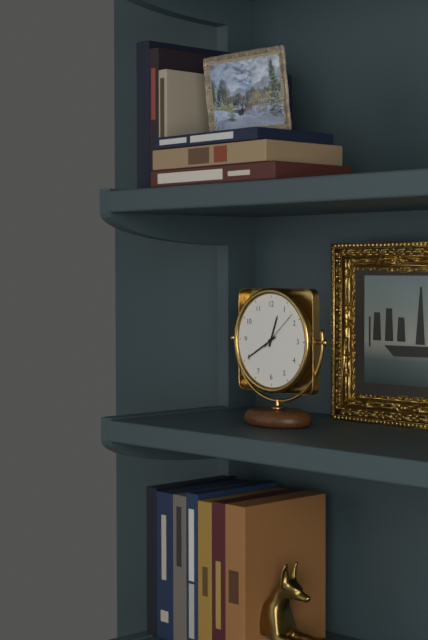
12:40
